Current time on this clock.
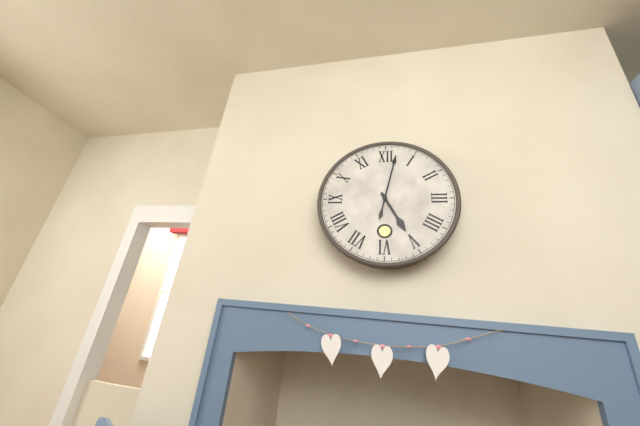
5:02
